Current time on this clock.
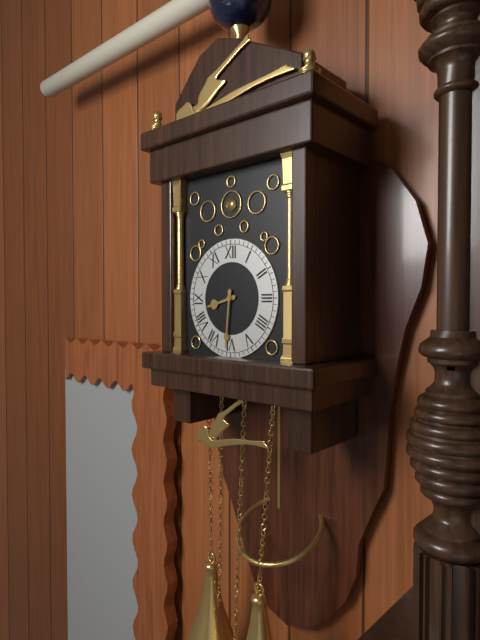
8:31
